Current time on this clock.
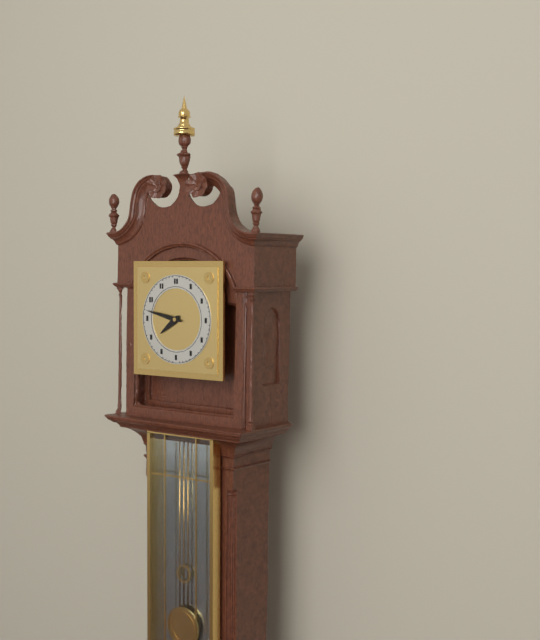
7:47
